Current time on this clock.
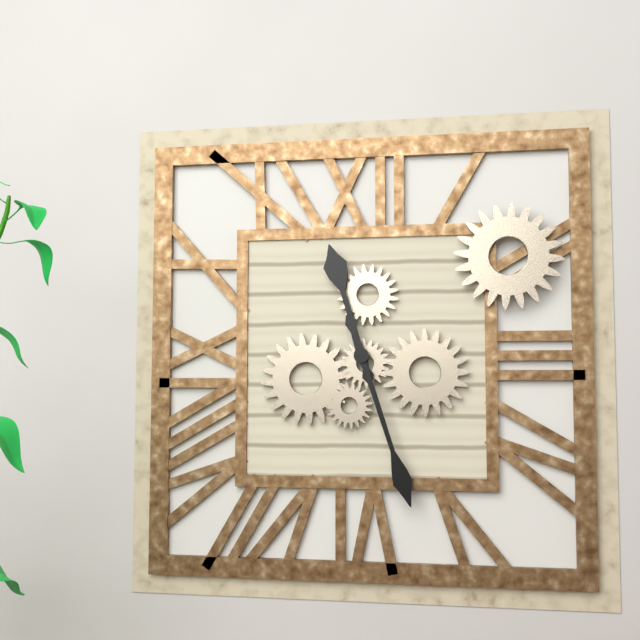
11:27
